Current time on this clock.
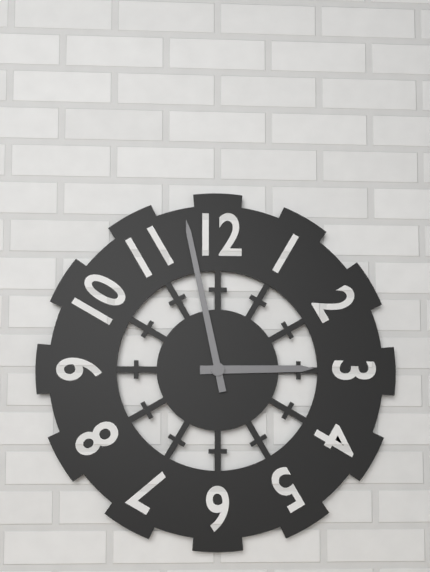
2:58
